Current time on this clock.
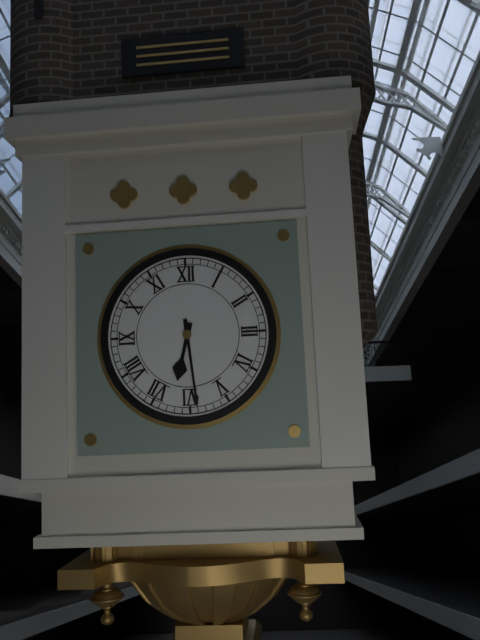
6:29
